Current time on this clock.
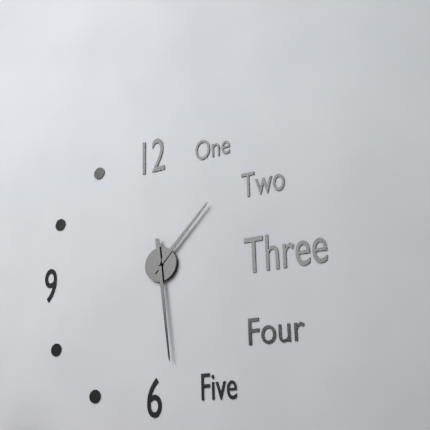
1:29
